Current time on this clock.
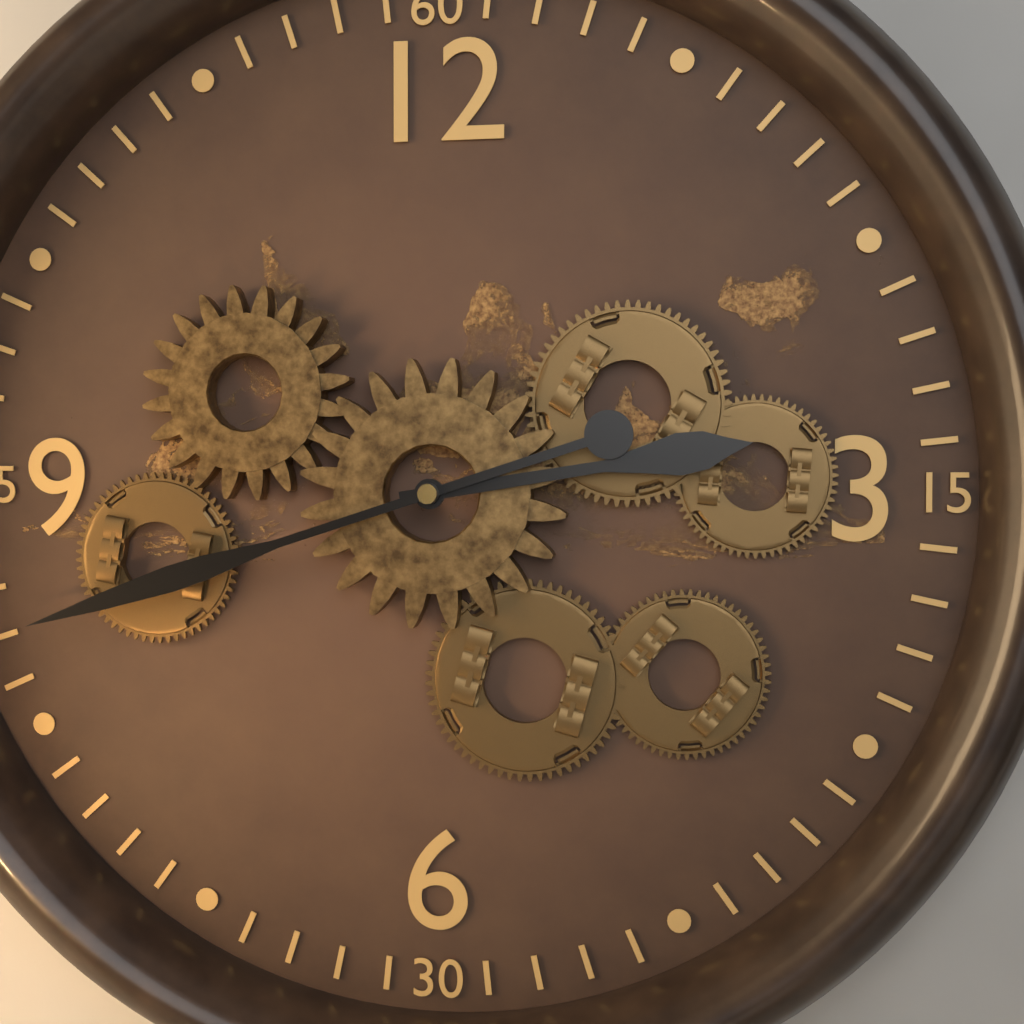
2:42
